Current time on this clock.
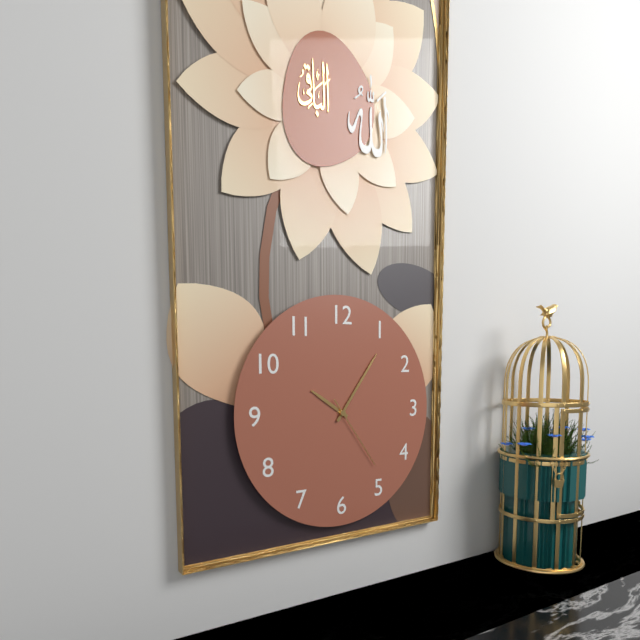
10:06:24
